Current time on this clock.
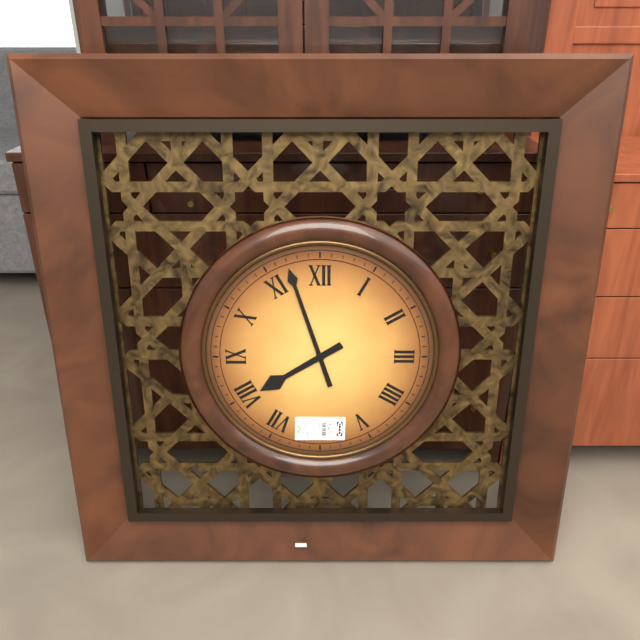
7:57
